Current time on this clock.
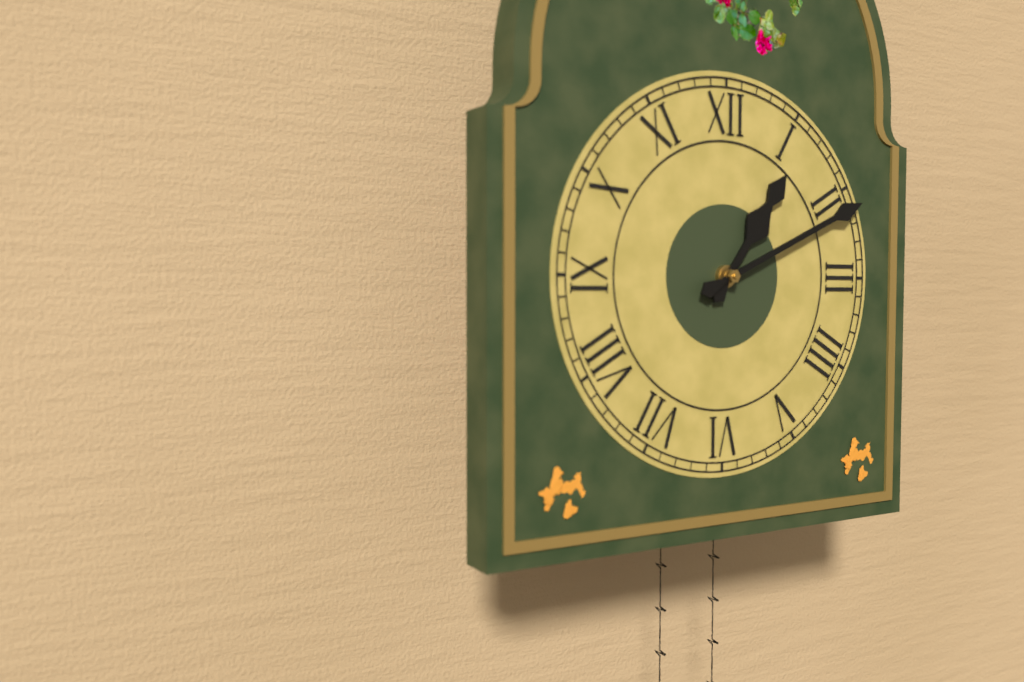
1:11
